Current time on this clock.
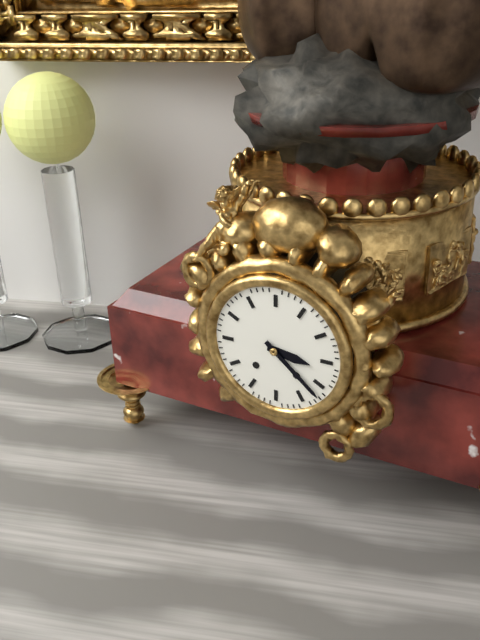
3:22
